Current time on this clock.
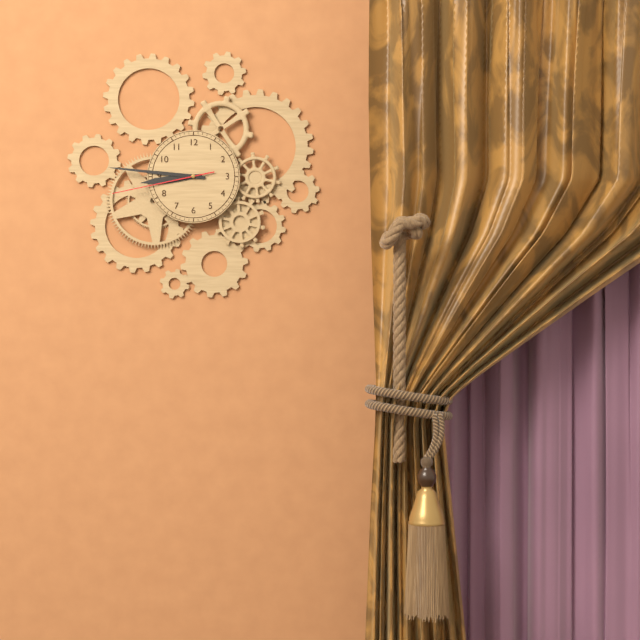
8:46:43
